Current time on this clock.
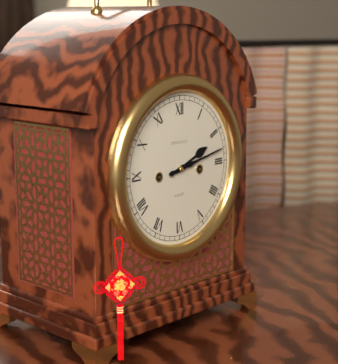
2:13
